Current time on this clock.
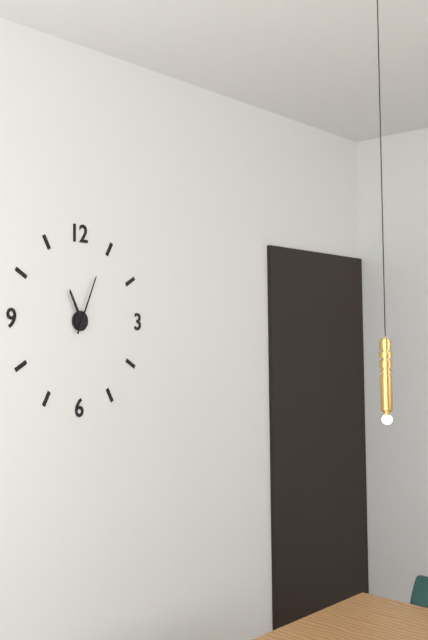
11:04
